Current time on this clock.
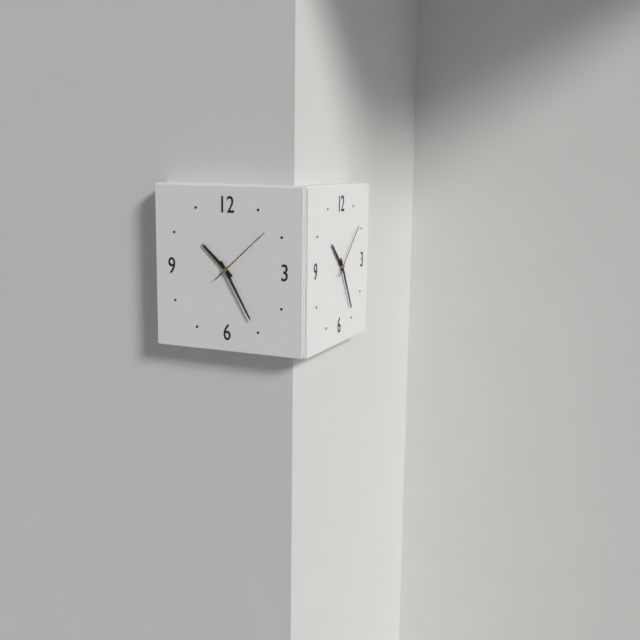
10:25:08
